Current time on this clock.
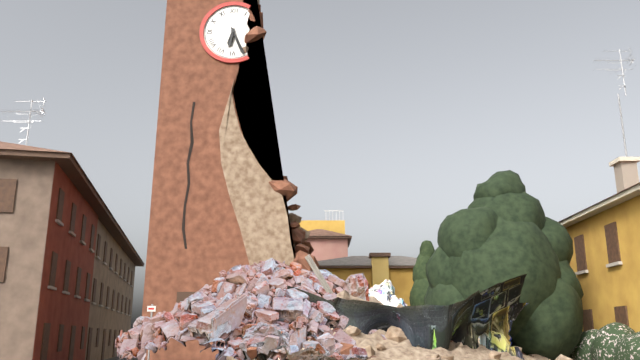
6:26
